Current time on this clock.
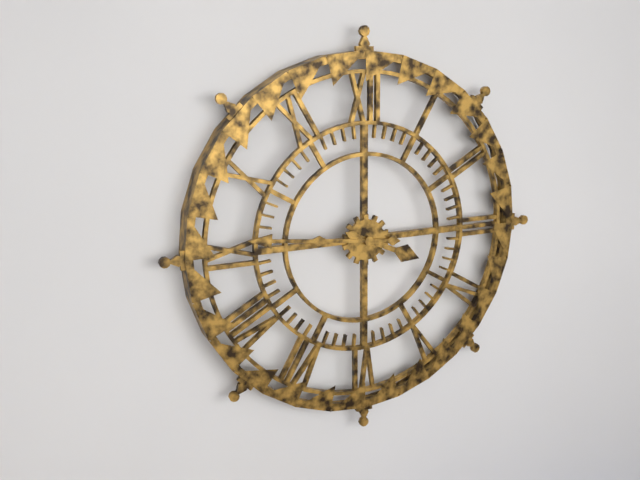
3:46
